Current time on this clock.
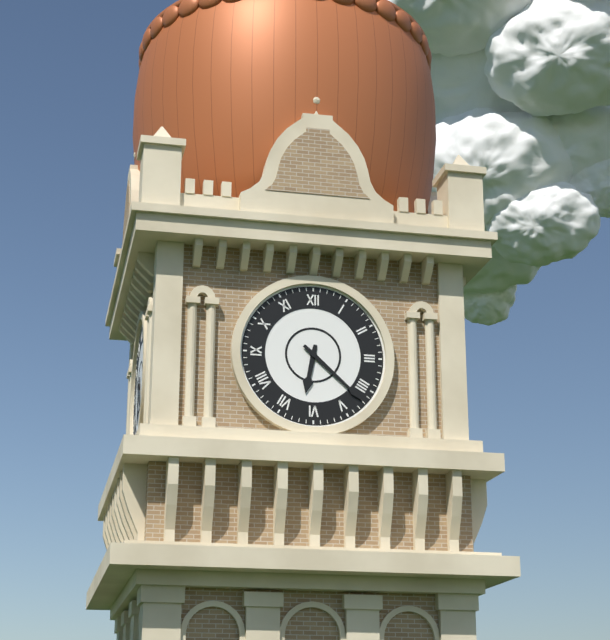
6:22
